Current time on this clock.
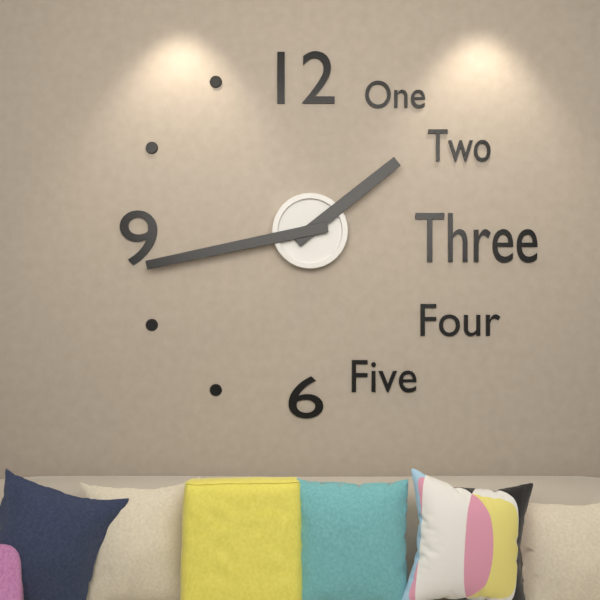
1:43
